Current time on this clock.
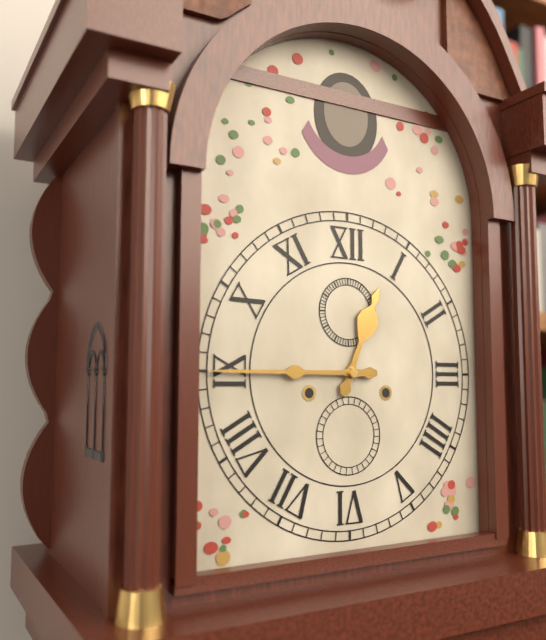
12:45
